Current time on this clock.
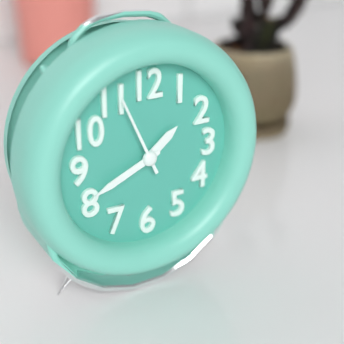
1:41:56
